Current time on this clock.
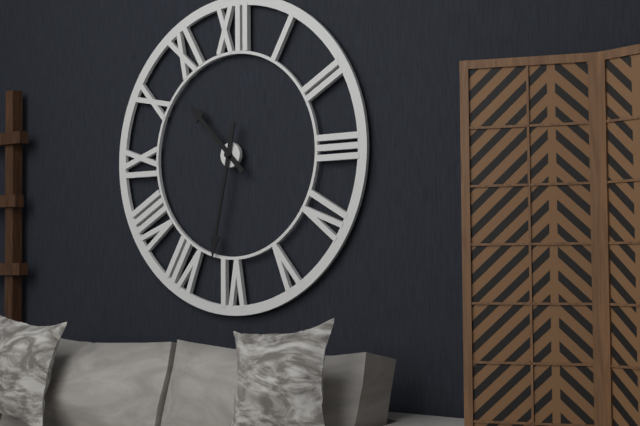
10:32
